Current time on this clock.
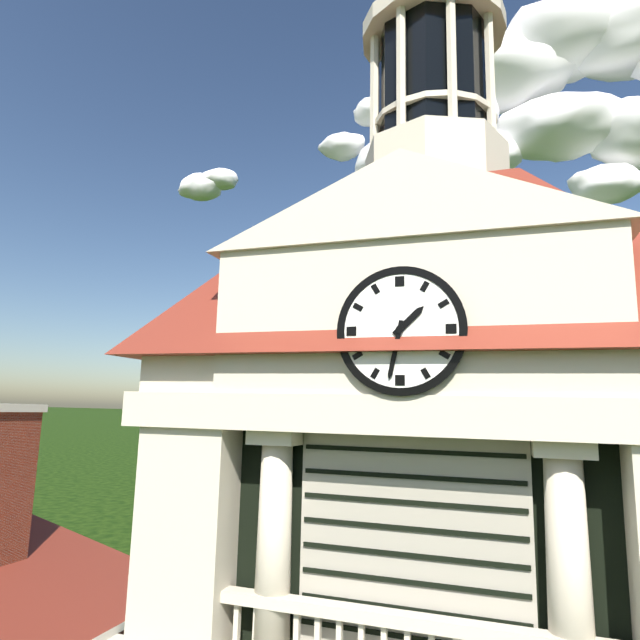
1:32
